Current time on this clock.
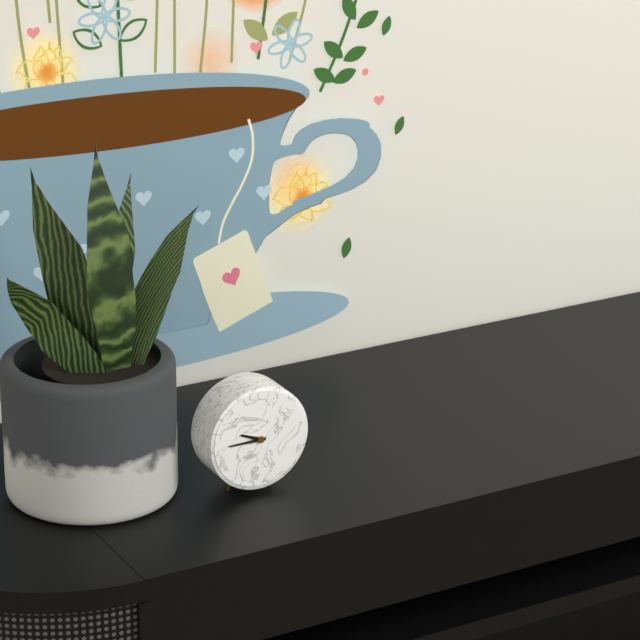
9:45
